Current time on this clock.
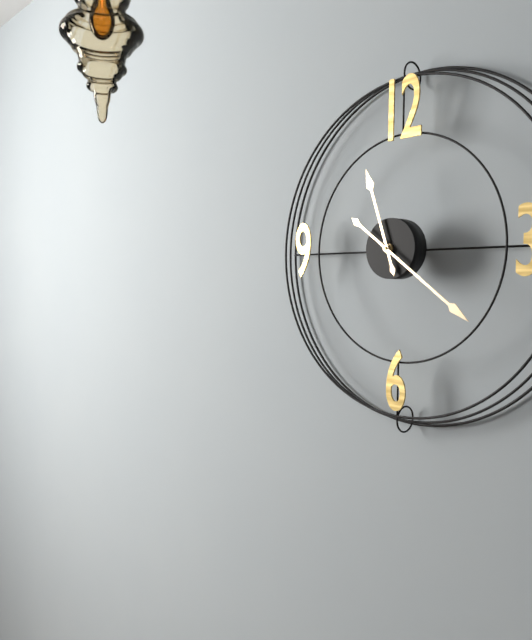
11:21
